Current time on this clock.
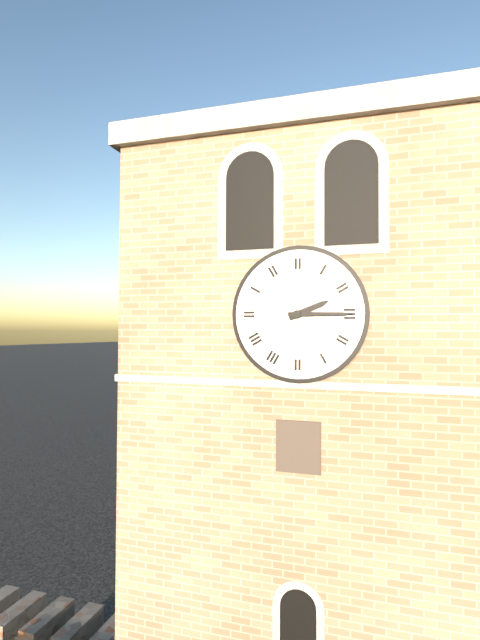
2:15
